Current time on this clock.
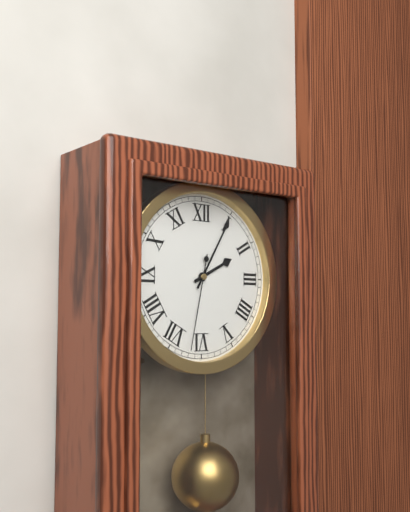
2:05:32
